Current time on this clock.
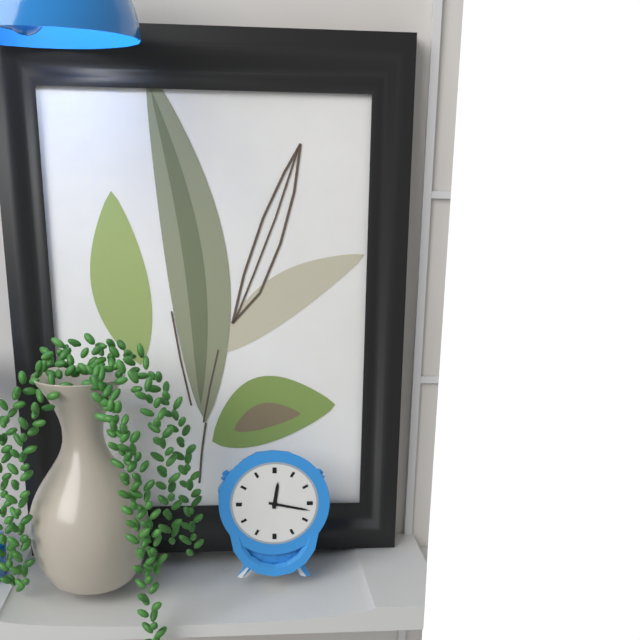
12:17
